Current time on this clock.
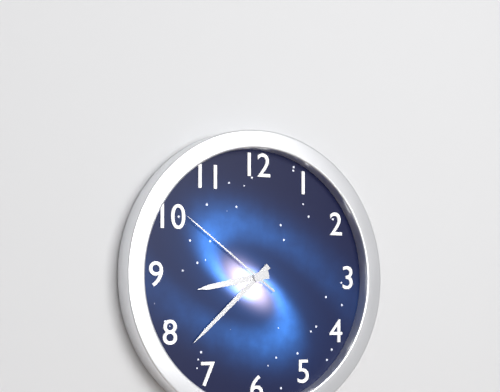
8:38:51
